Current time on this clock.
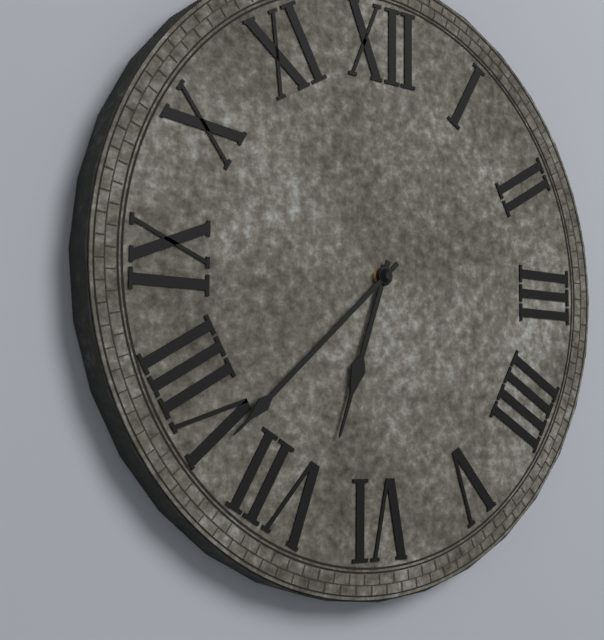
6:38
